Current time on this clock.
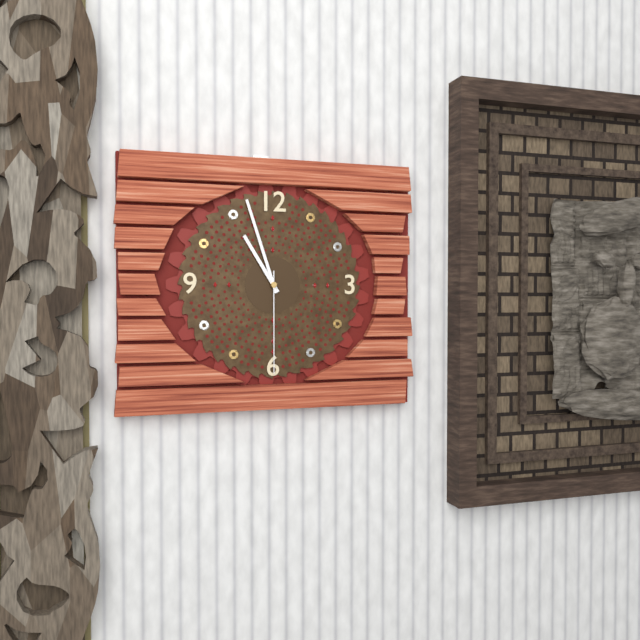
10:57:30
